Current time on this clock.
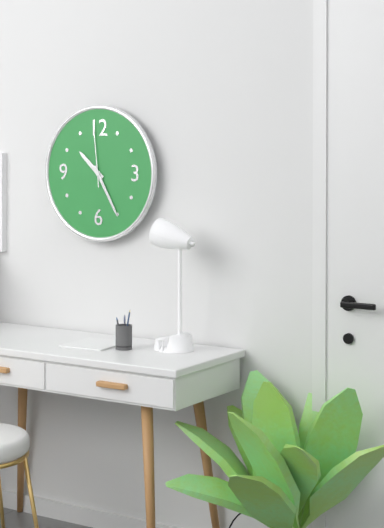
10:25:59
